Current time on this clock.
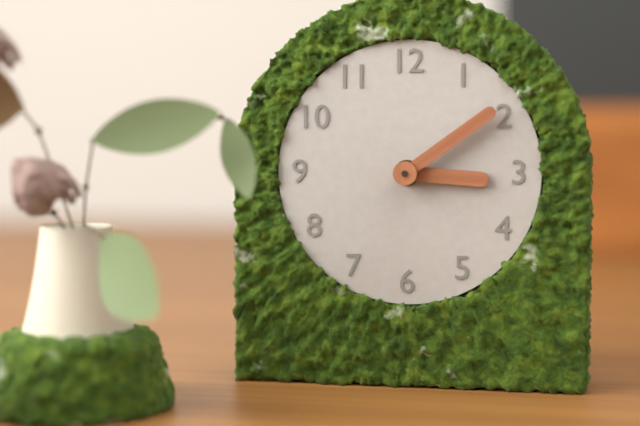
3:09
